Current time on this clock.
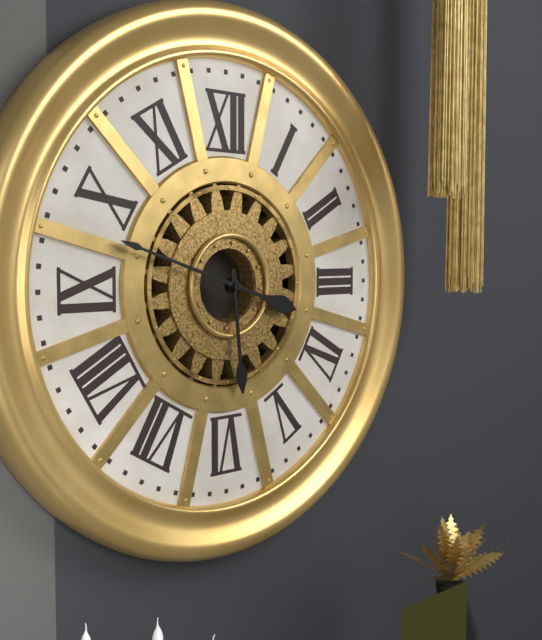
5:48
